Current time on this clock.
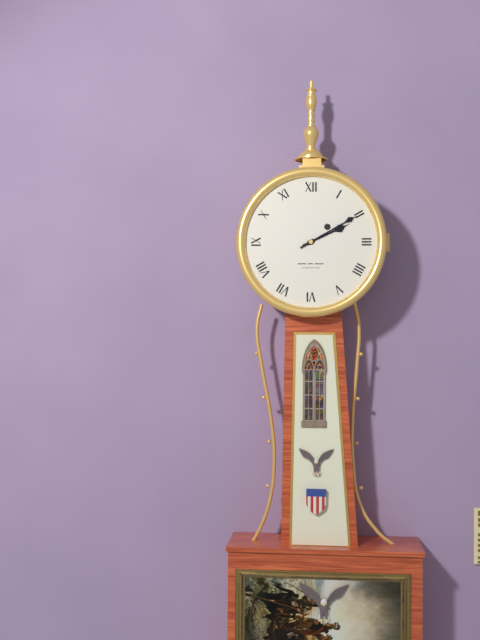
2:10
